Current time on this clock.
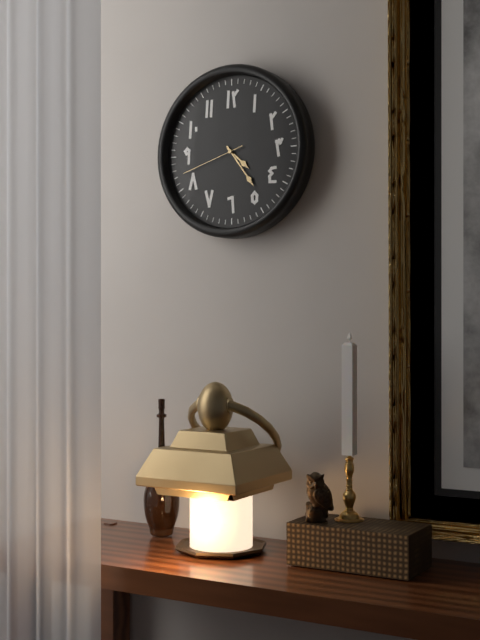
4:24:42
